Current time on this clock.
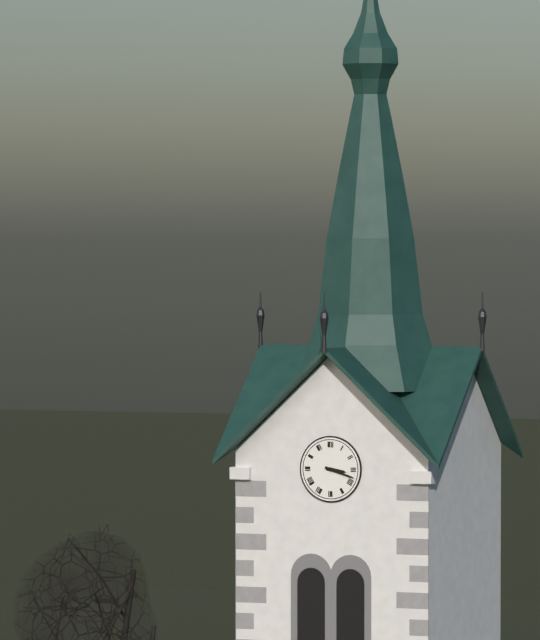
3:18
